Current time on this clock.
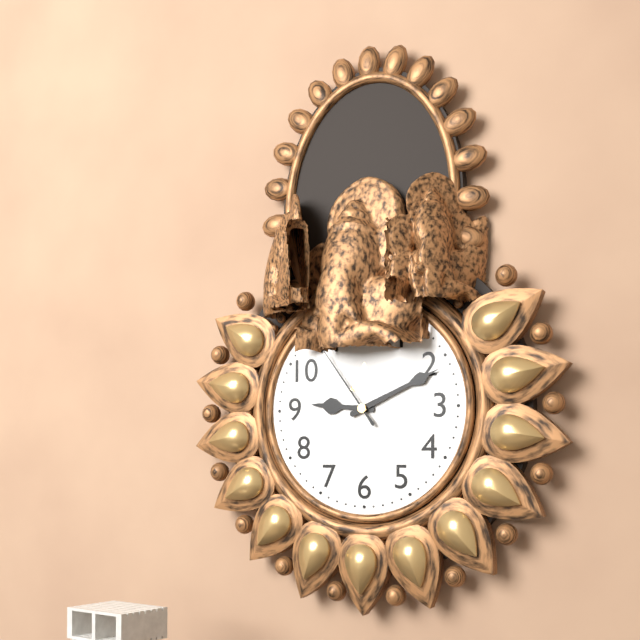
9:11:54
